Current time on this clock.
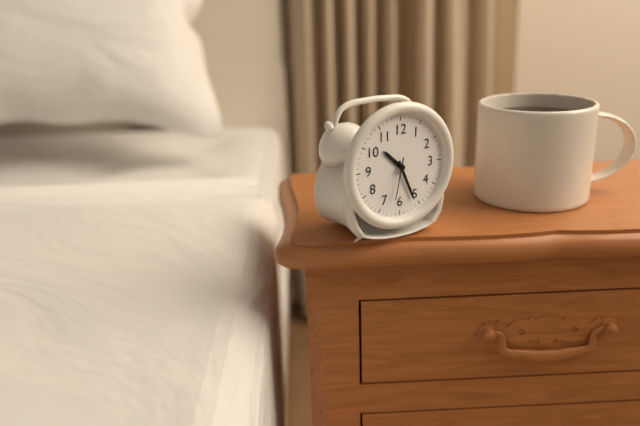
10:26
